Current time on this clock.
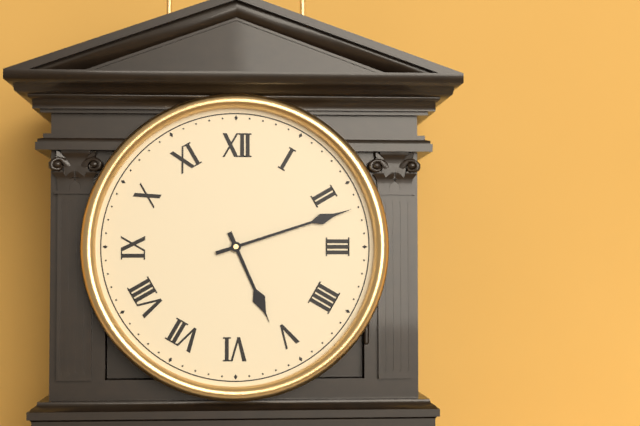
5:12
